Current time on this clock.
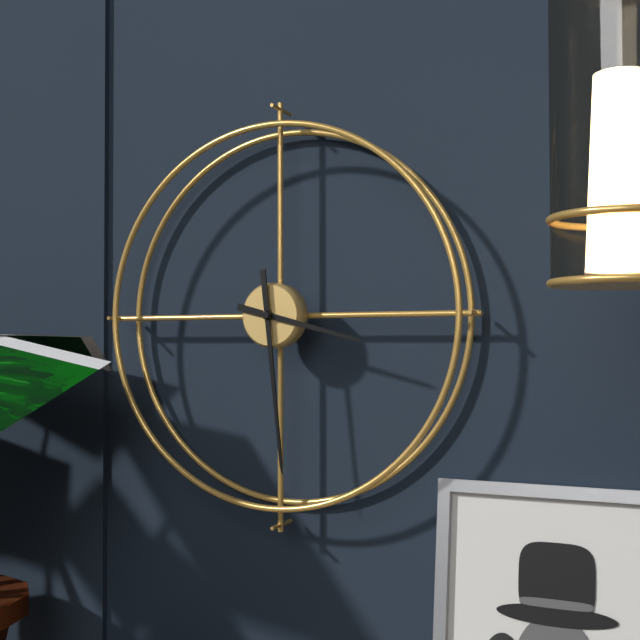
3:29
